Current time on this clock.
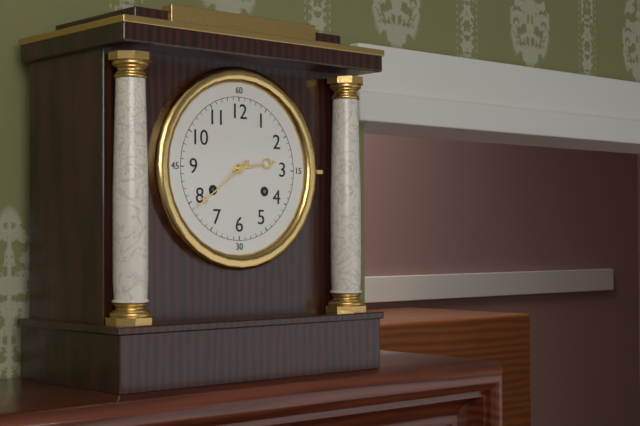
2:39
